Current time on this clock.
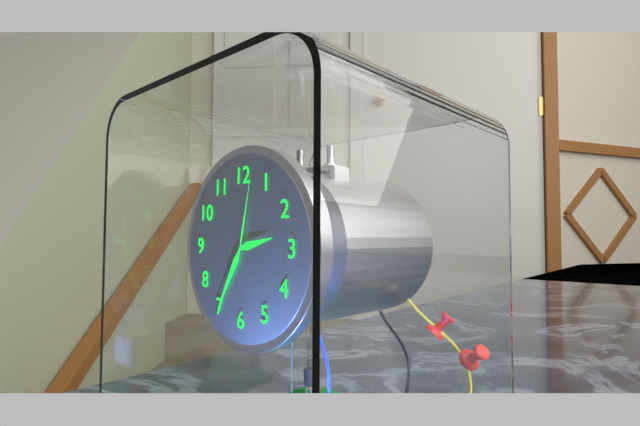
2:35:02
